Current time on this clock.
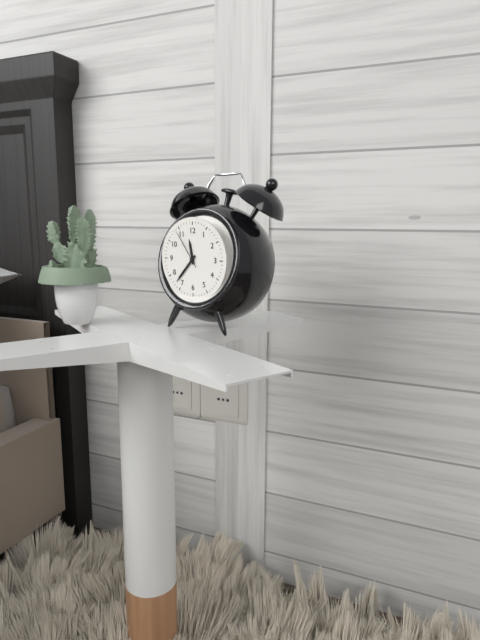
11:37
